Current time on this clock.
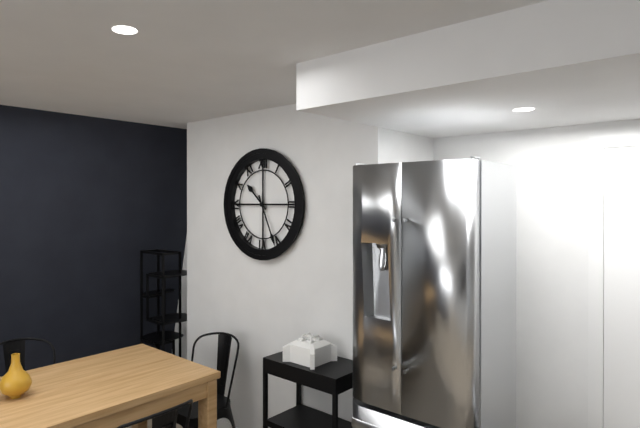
10:26
